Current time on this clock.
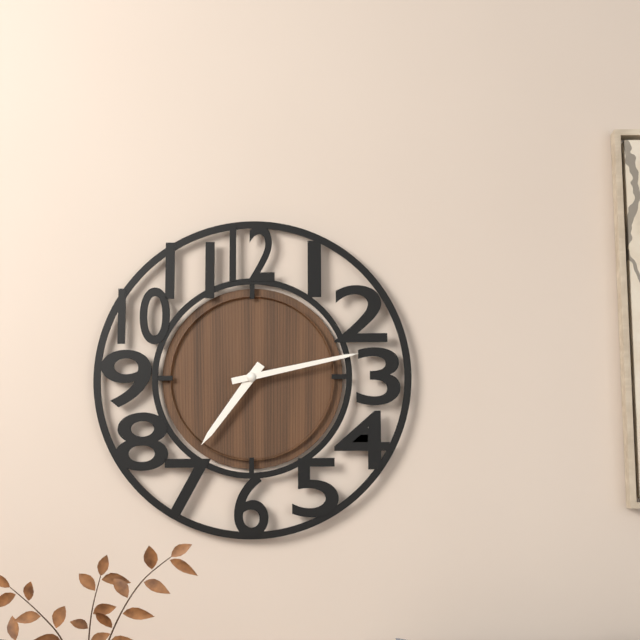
7:13
